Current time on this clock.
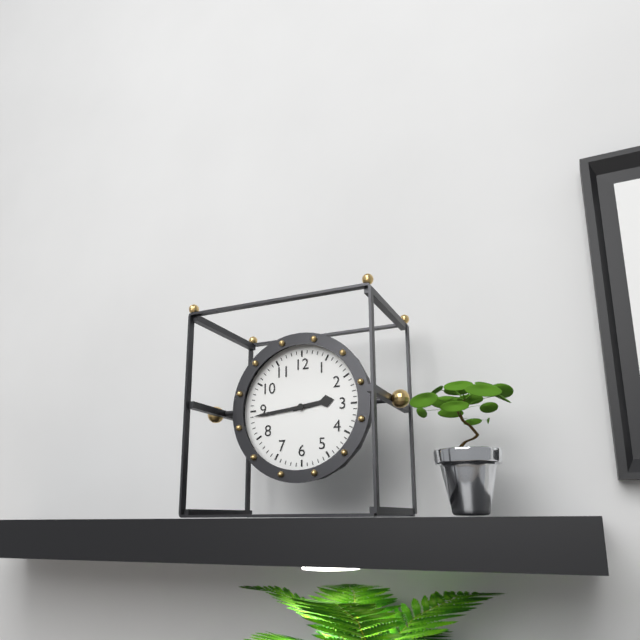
2:44
